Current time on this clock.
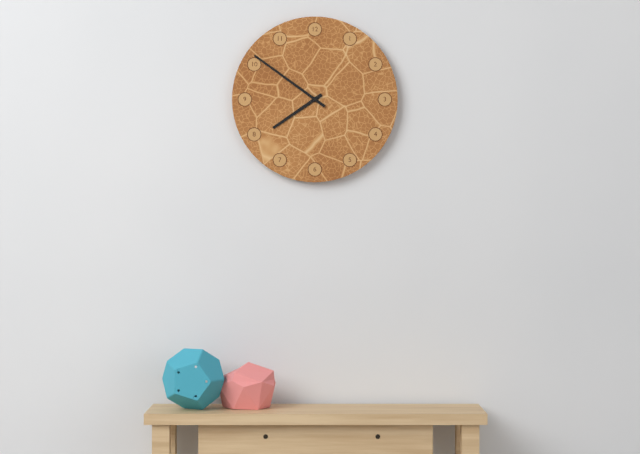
7:51
